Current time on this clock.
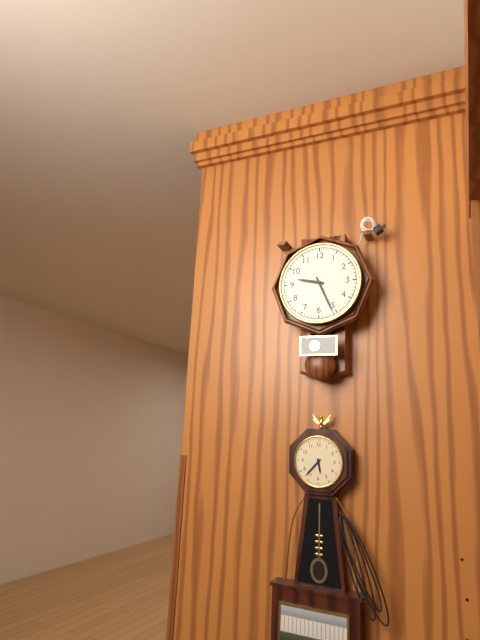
9:26
